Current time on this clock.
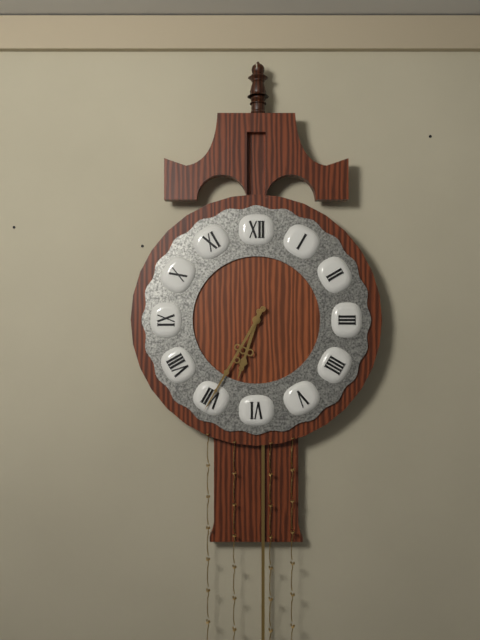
6:35
